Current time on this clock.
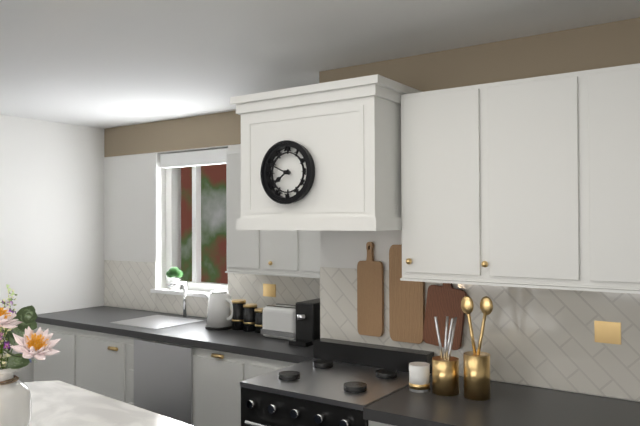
7:49
